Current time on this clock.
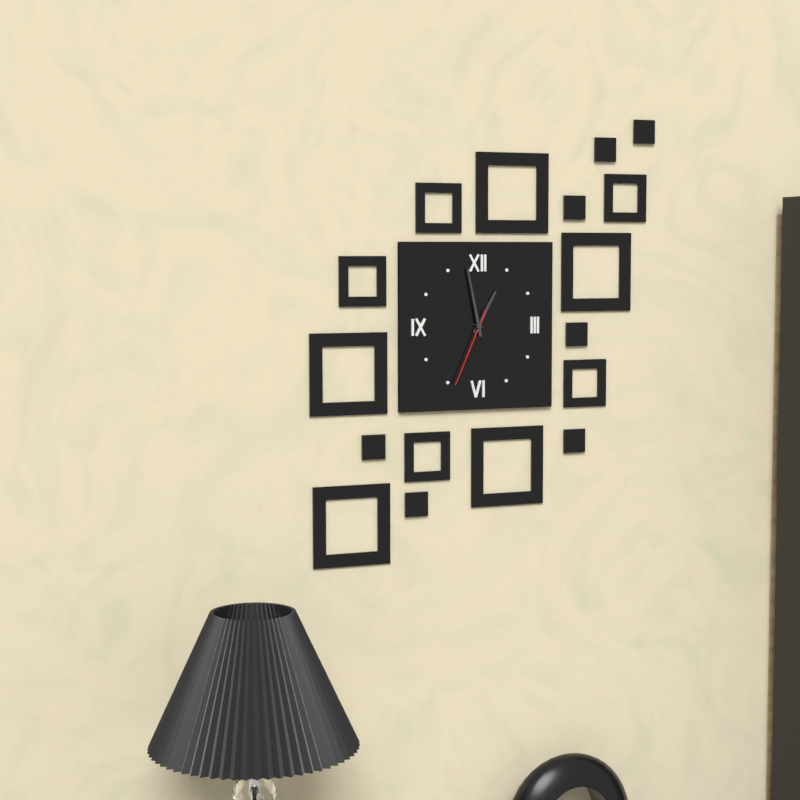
12:58:34
